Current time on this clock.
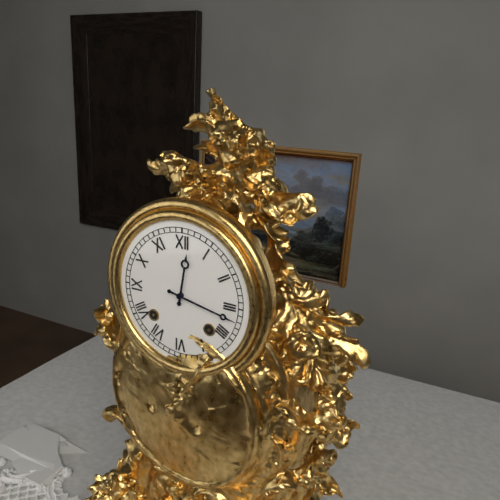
12:17
